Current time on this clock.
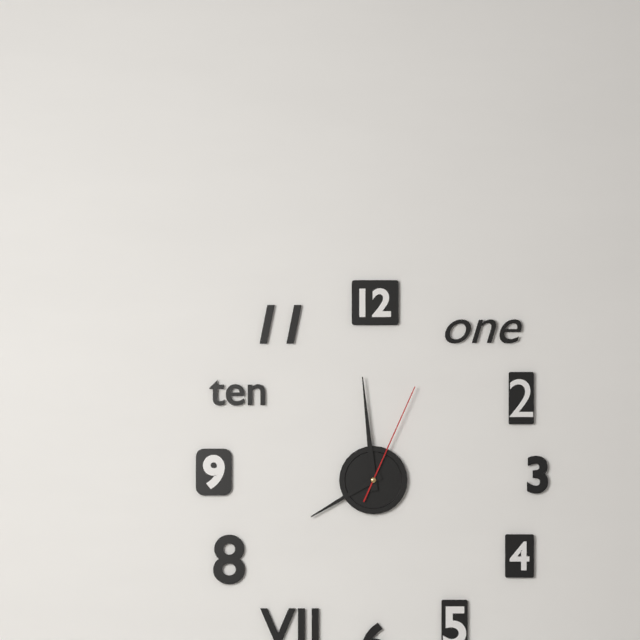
7:59:04
